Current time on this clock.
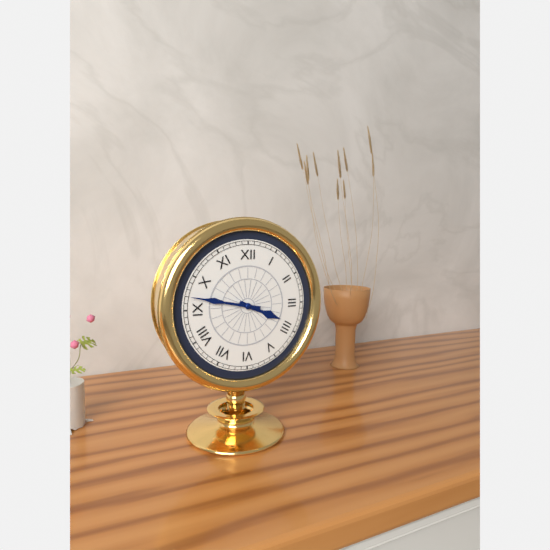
3:47
